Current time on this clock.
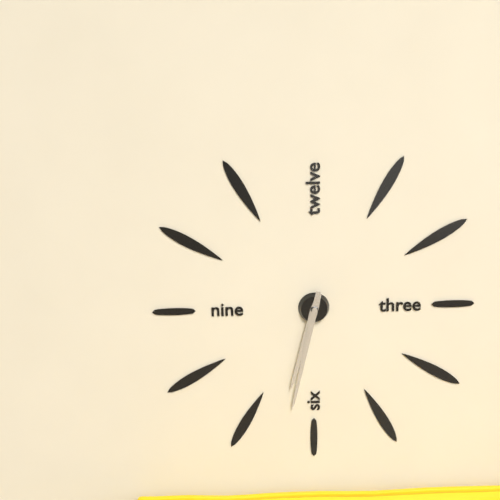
6:32
